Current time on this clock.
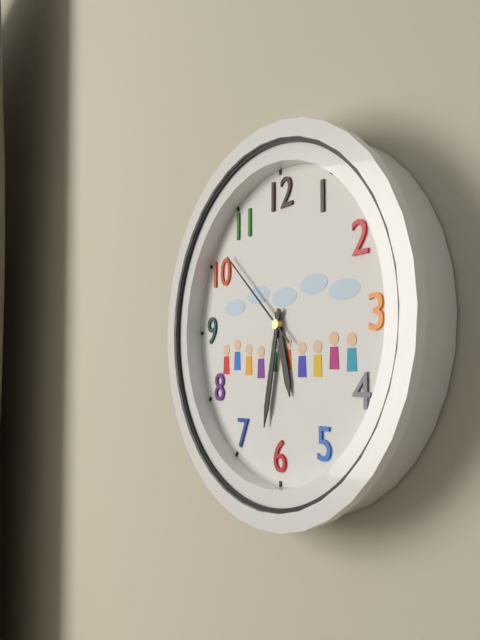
5:32:52
